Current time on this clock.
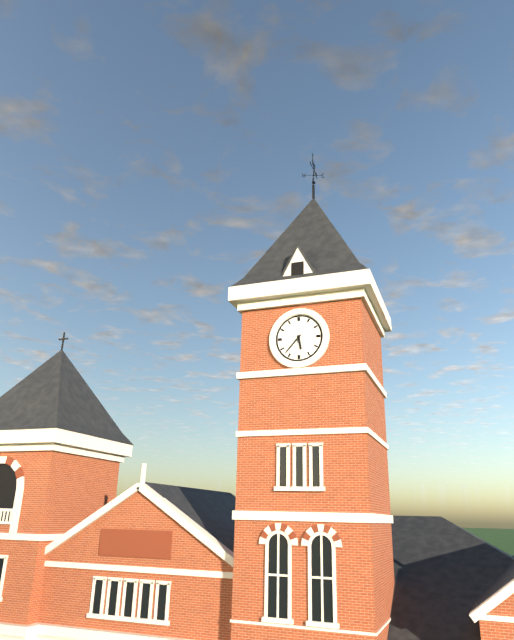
5:37
